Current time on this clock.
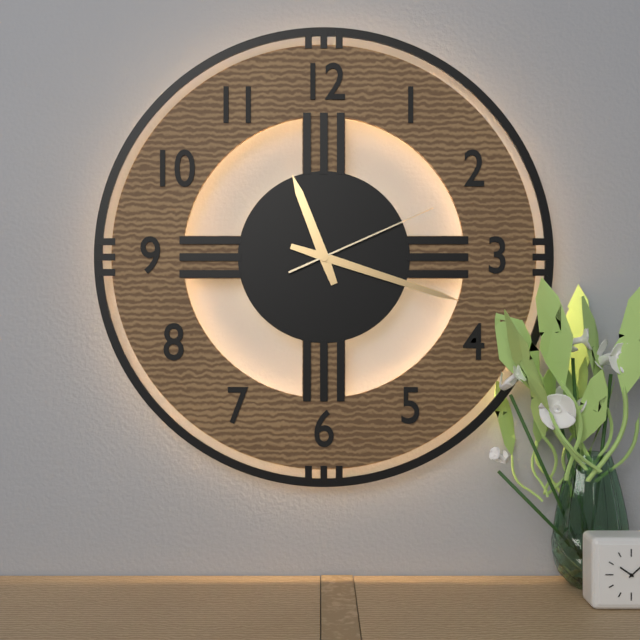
11:18:11
